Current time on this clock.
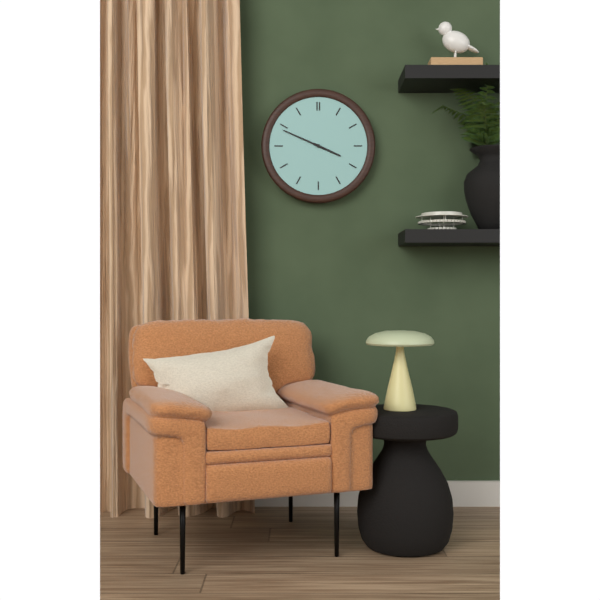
3:49
